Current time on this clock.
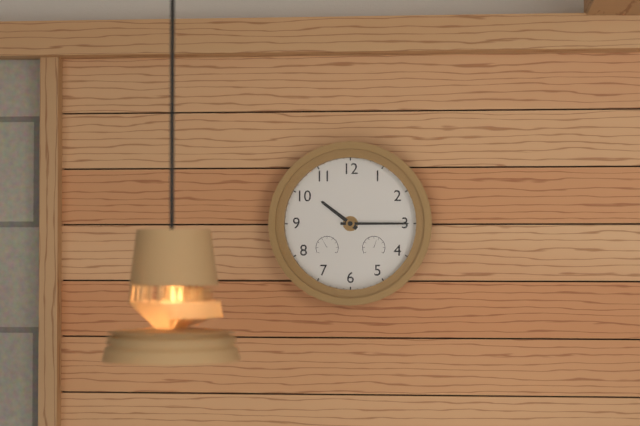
10:15
